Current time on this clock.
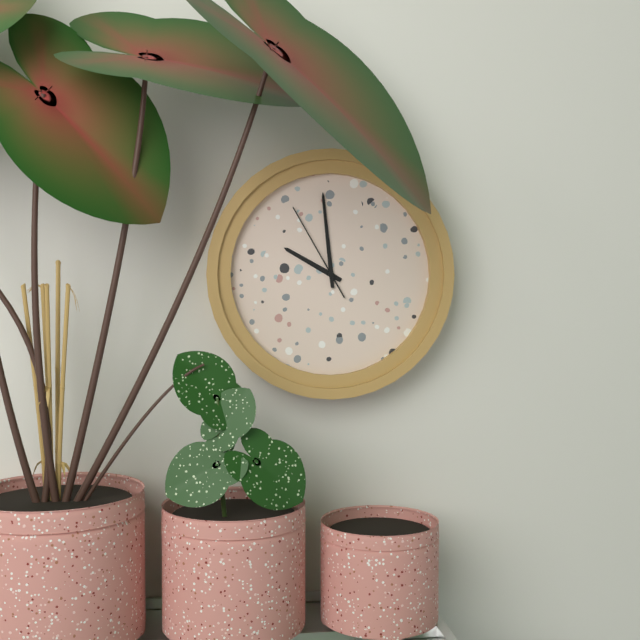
9:59:55
